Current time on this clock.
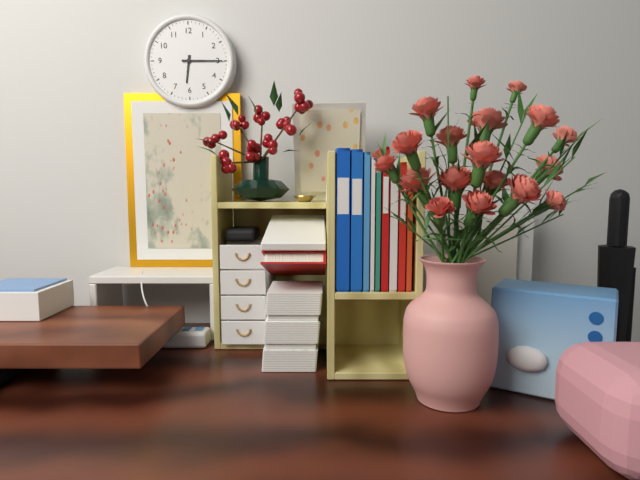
6:15
